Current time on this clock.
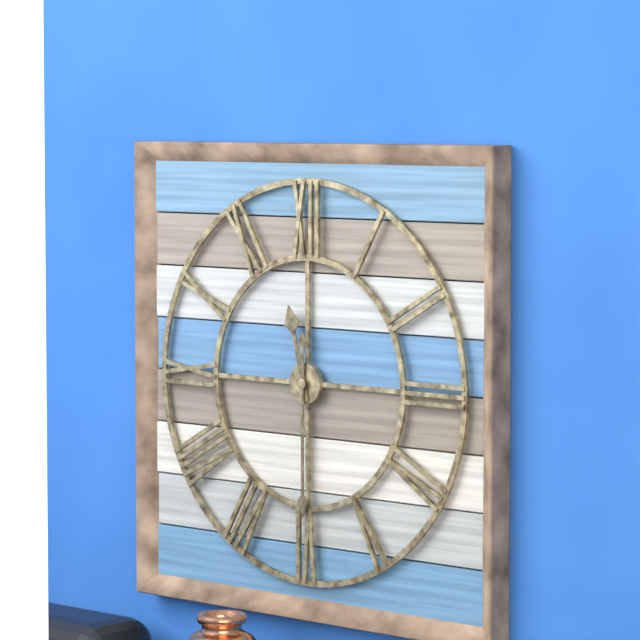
11:30
